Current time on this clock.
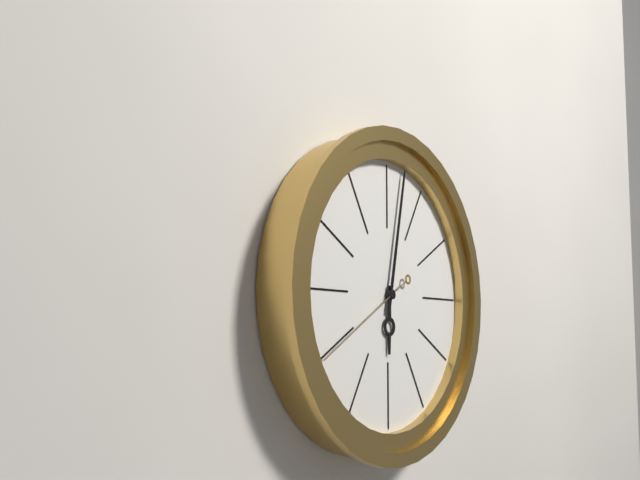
6:02:40
